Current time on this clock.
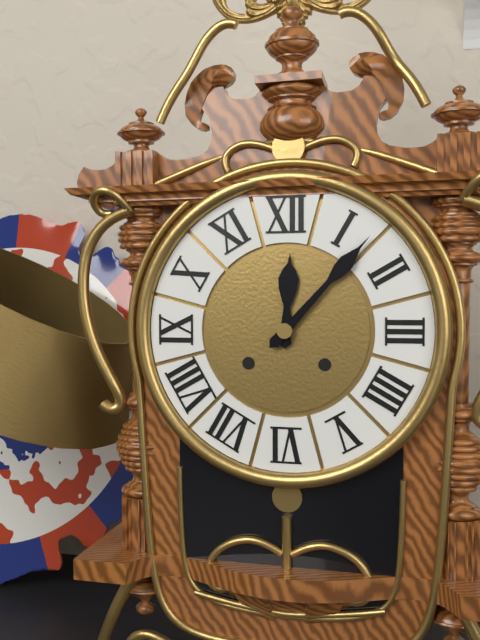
12:07
